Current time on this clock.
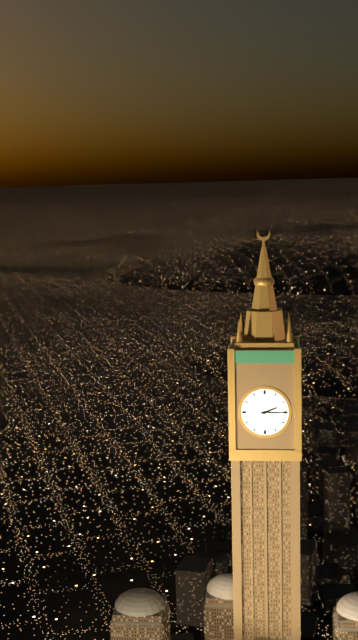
2:15
